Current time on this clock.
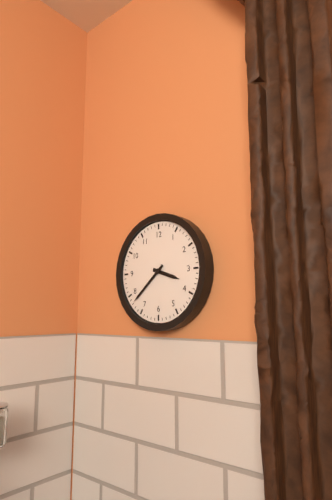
3:38
